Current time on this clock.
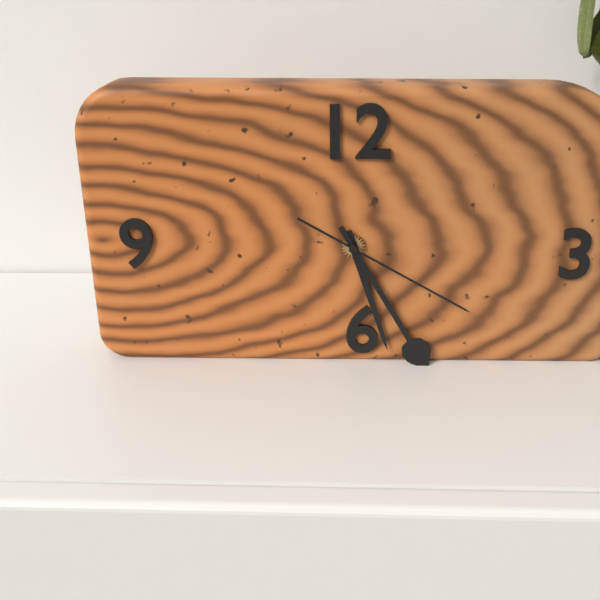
5:25:20
